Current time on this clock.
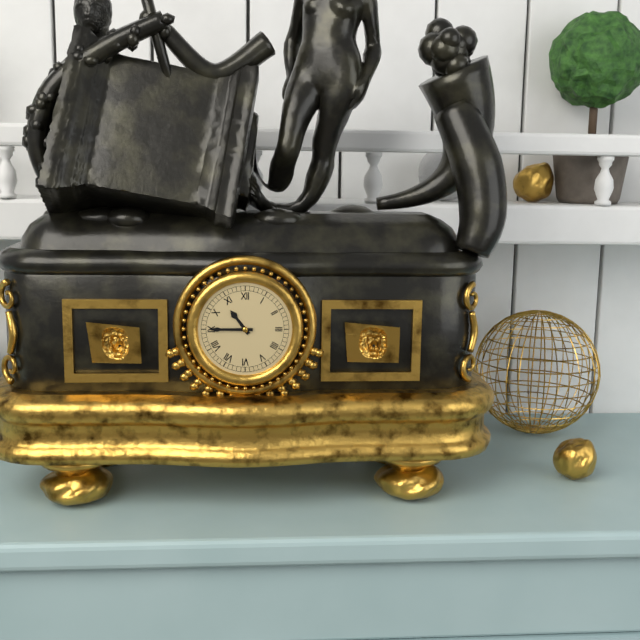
10:45
